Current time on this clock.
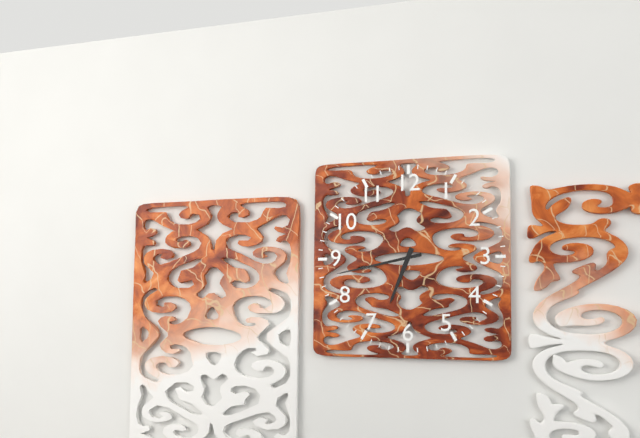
6:43
